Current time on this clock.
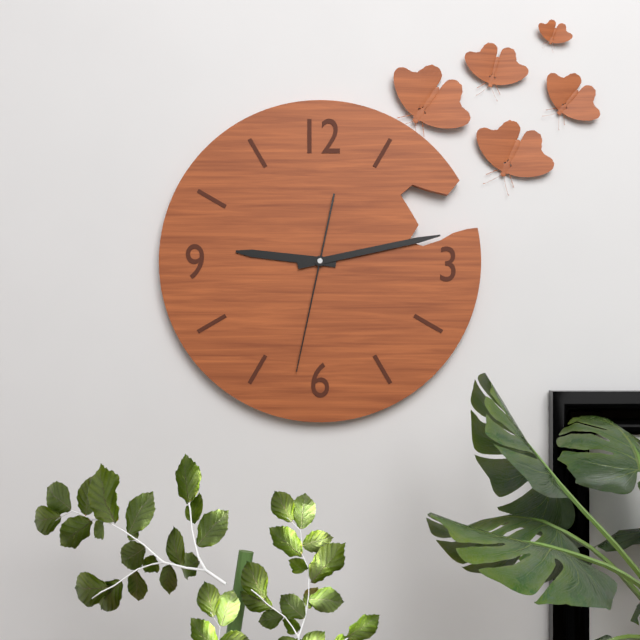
9:13:32
